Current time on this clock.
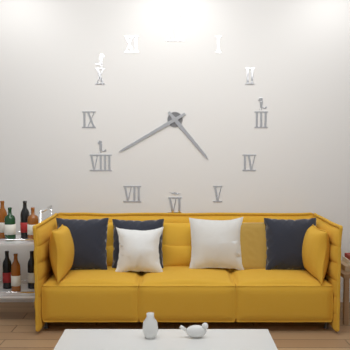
4:40
